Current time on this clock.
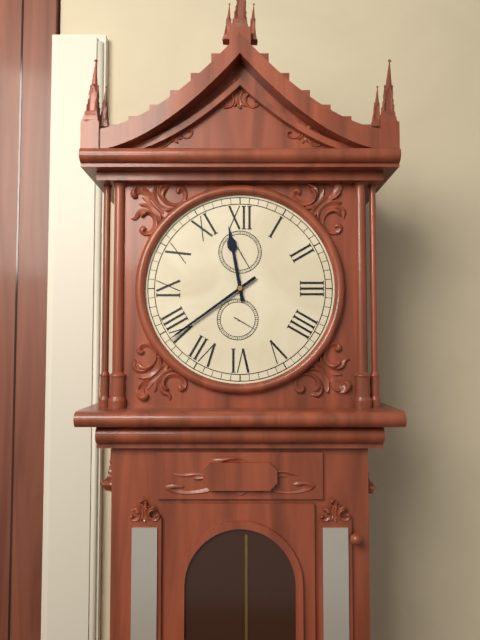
11:39
